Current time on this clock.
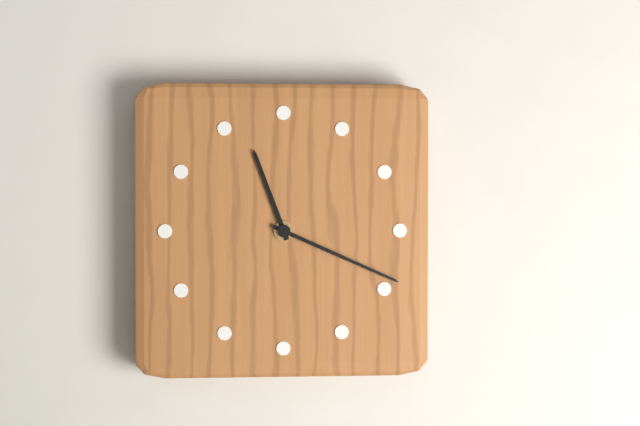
11:19
